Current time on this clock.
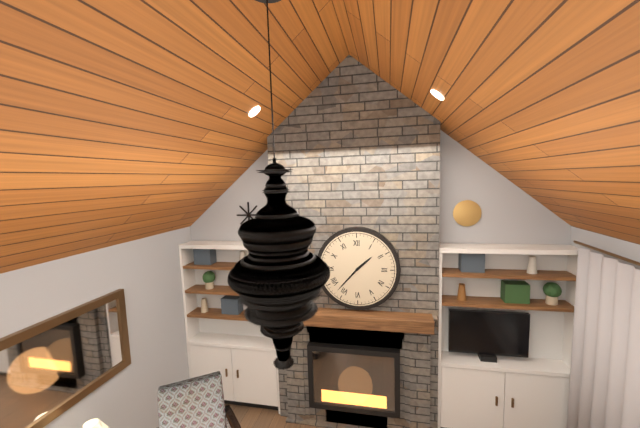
1:37
